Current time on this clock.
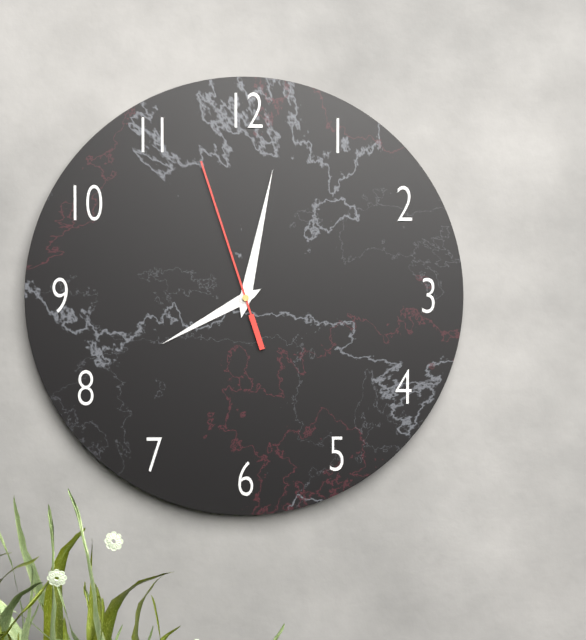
8:02:57
